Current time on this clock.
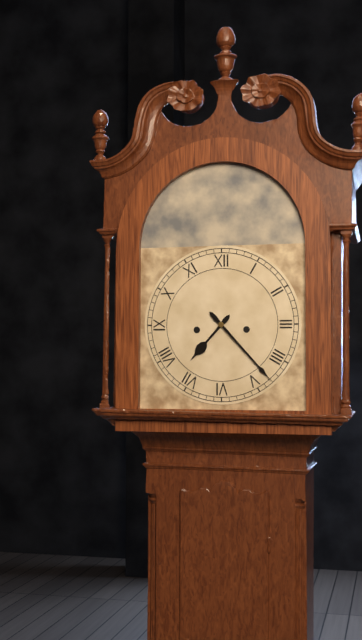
7:23
